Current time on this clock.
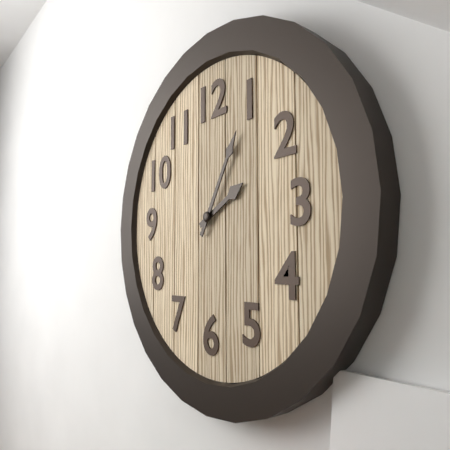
2:05
